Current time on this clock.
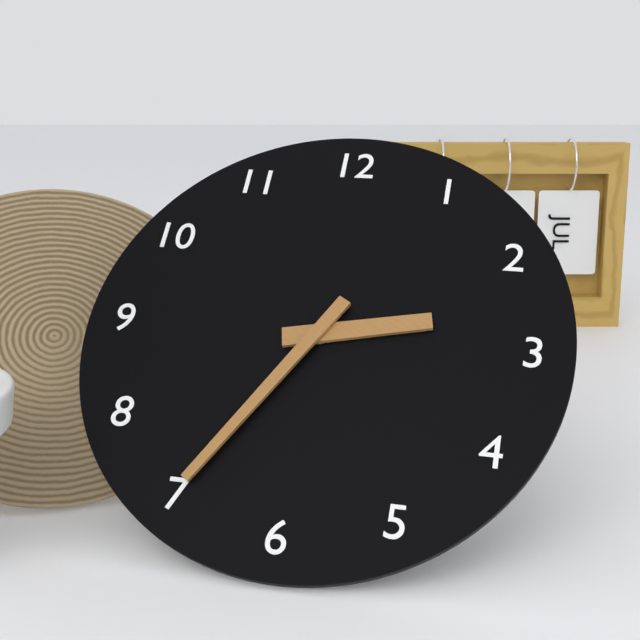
2:35
